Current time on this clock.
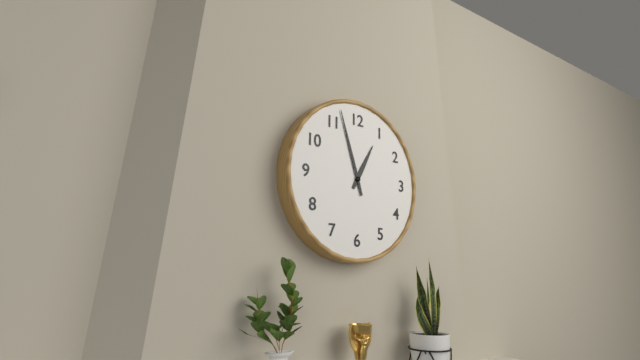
12:57
